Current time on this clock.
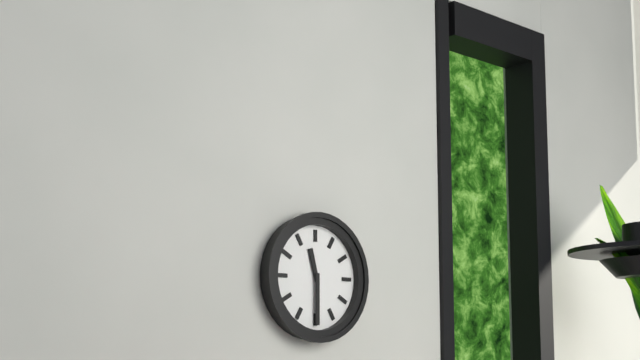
11:30
